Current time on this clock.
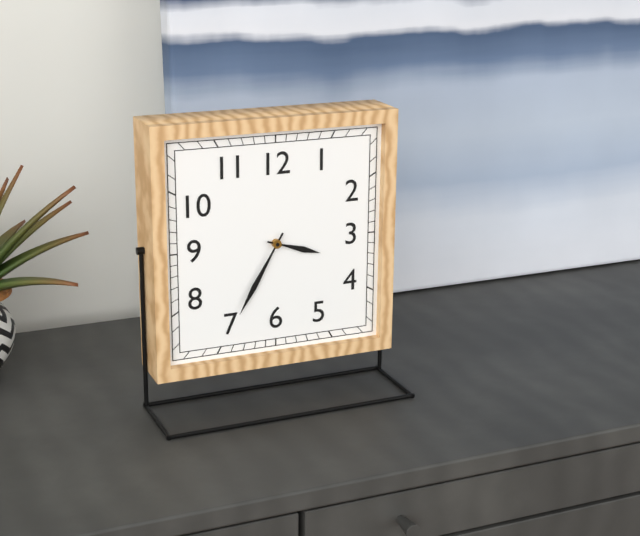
3:35
